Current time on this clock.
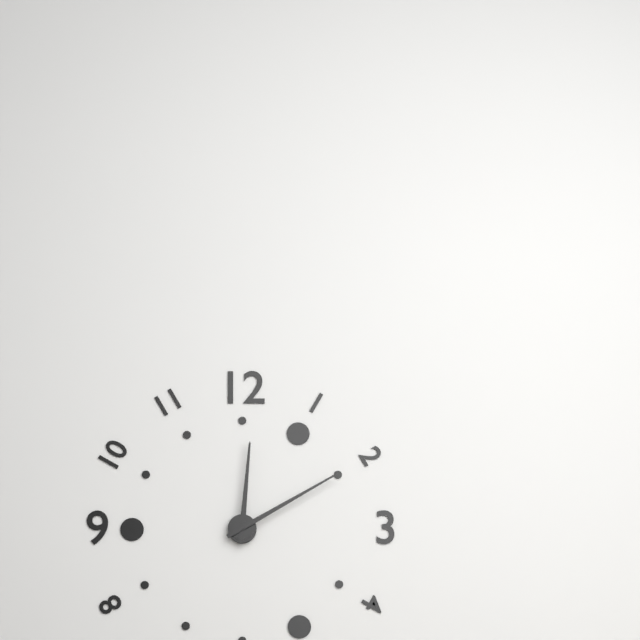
12:10
